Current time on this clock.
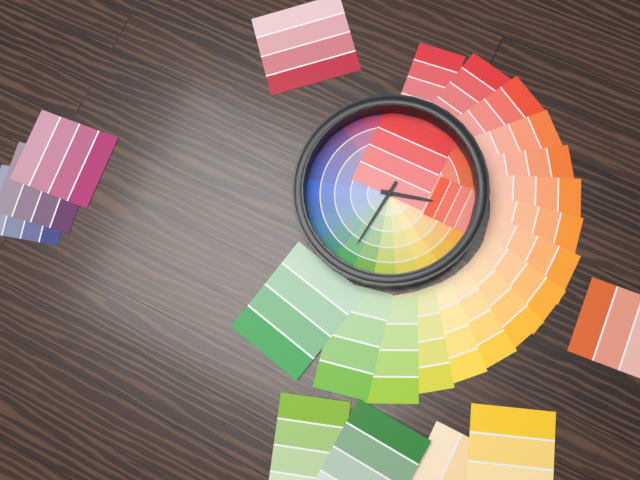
2:31
